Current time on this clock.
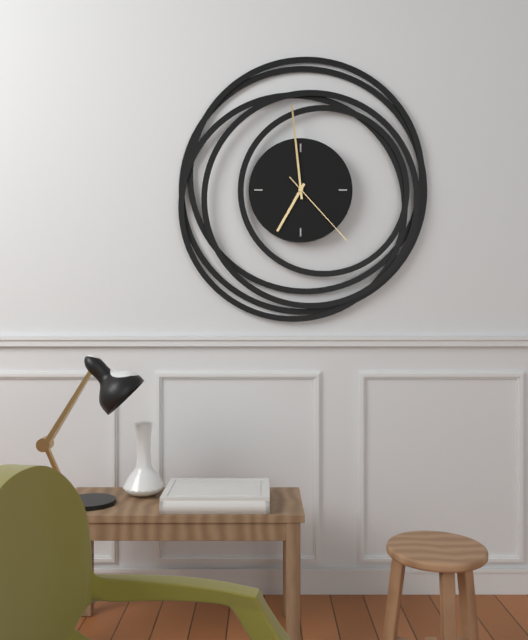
6:59:23
